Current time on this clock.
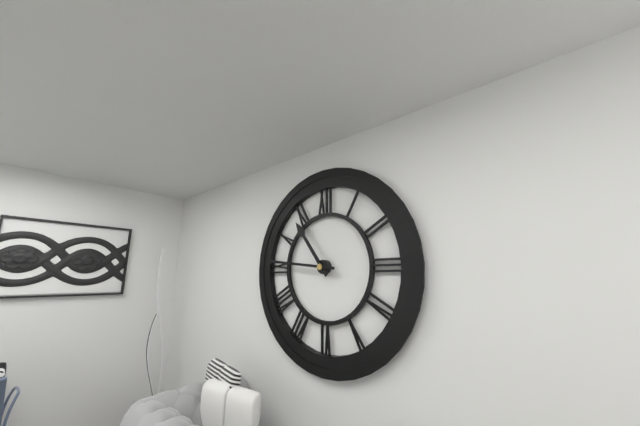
10:46
